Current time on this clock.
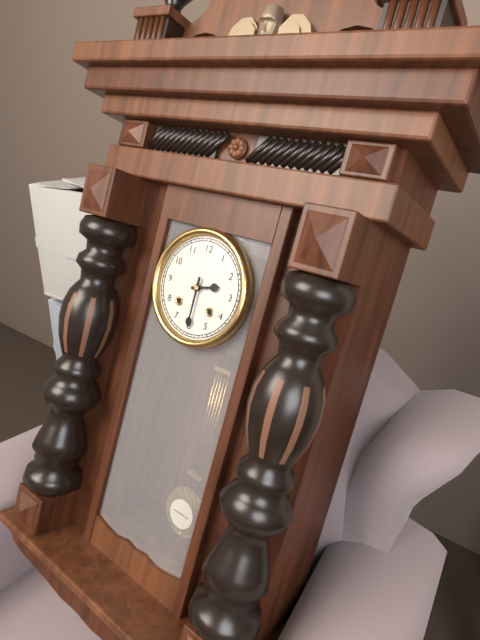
2:30
